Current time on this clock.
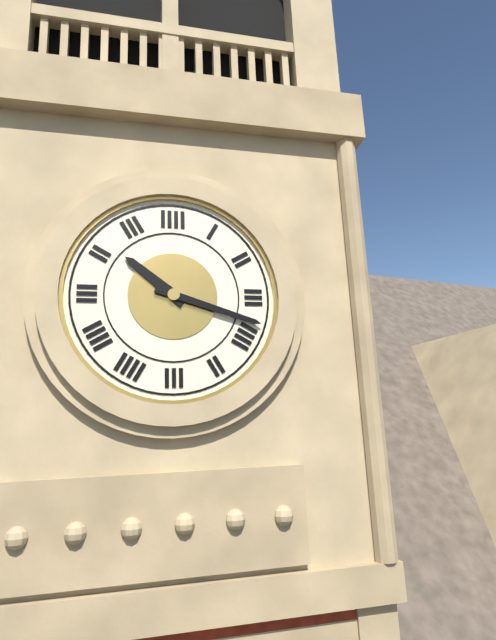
10:18
